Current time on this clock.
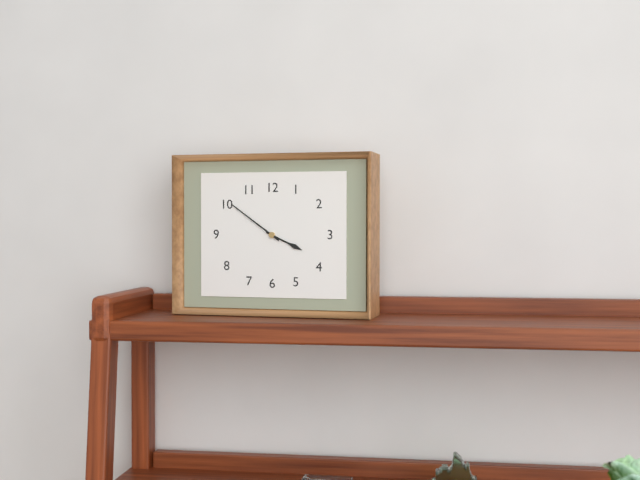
3:51
